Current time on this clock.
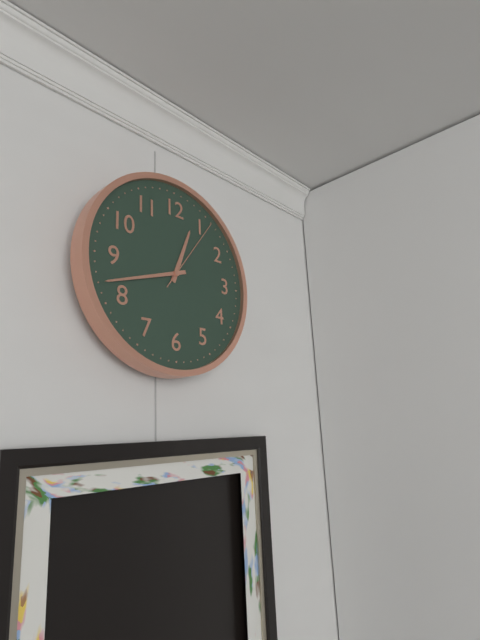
12:42:06
